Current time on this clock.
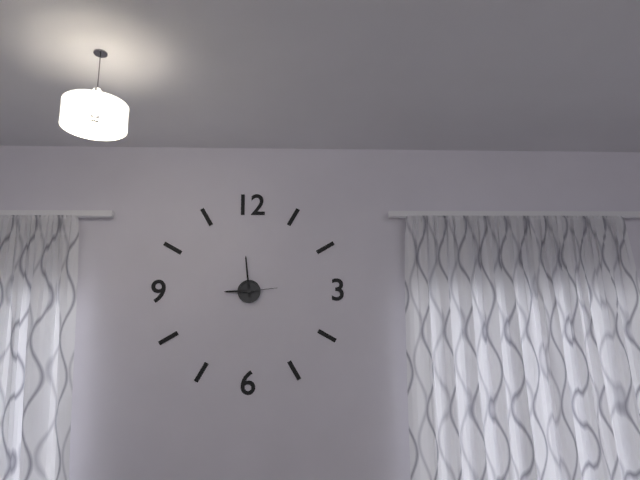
8:59
